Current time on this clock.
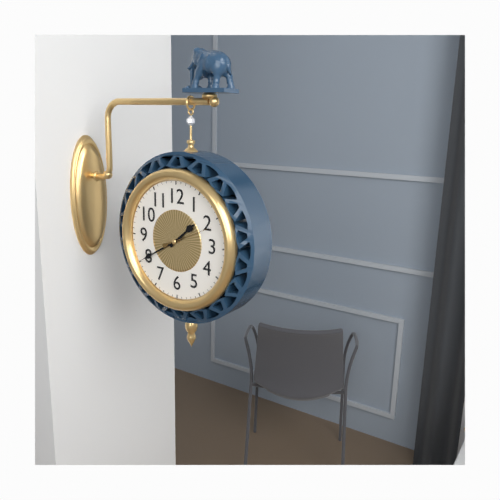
1:40
